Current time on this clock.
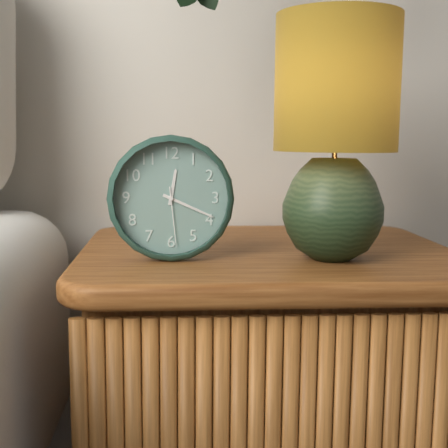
12:19:29
